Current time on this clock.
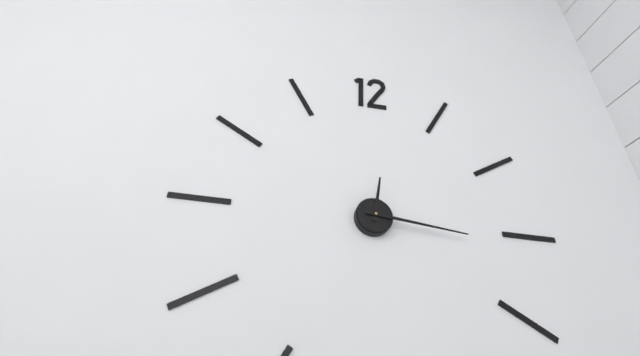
12:16
